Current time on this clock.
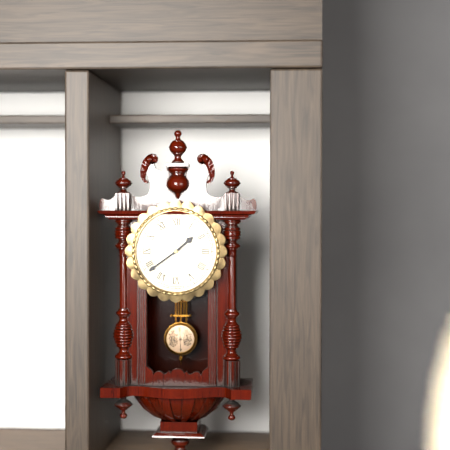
1:39
